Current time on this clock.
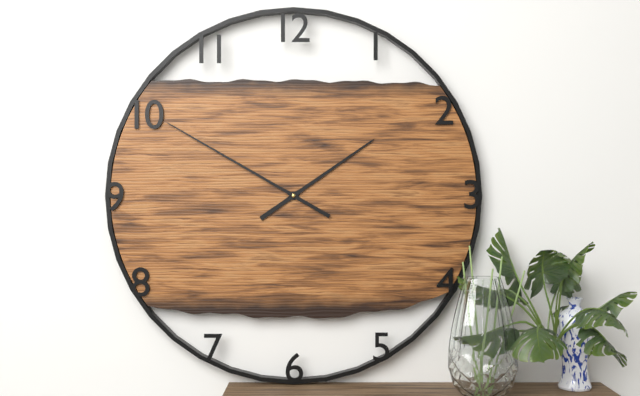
1:50
